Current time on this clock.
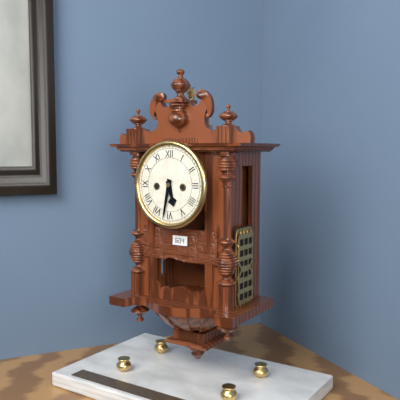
5:32
